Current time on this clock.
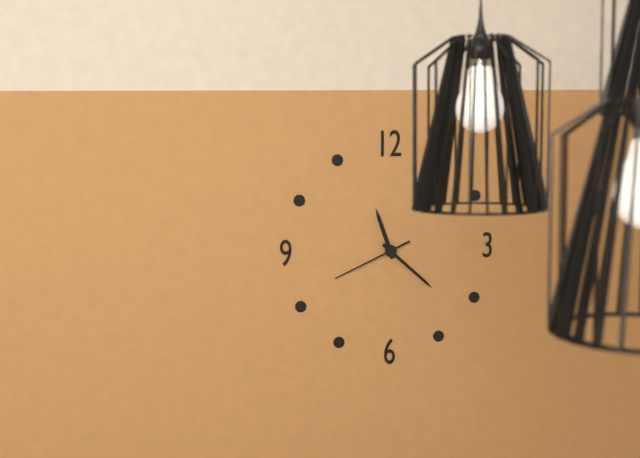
11:22:41
